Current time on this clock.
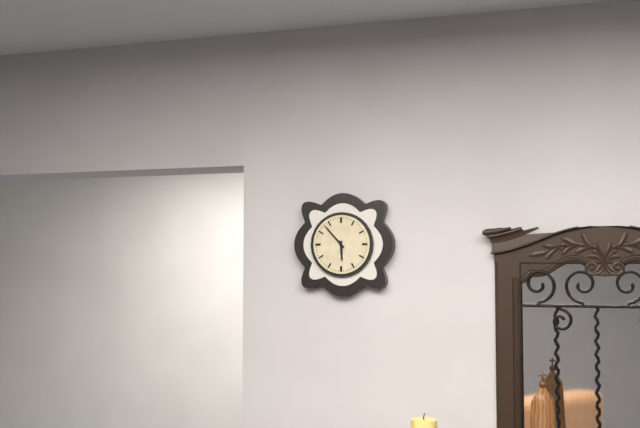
5:53
